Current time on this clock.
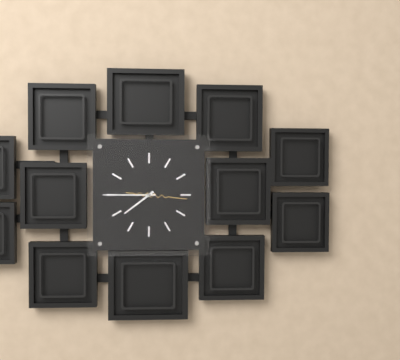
7:45
